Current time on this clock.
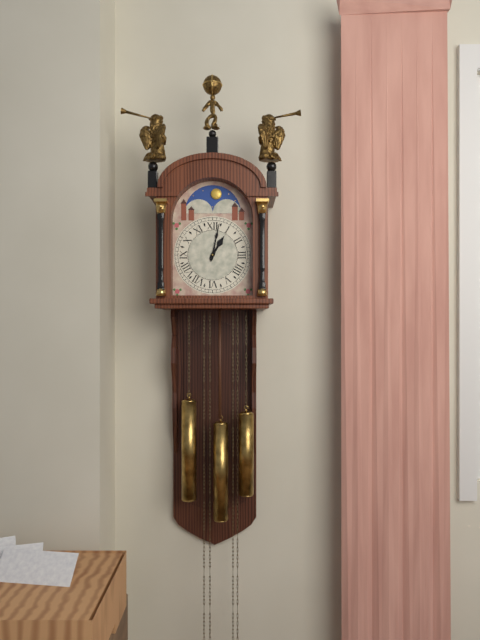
1:02
